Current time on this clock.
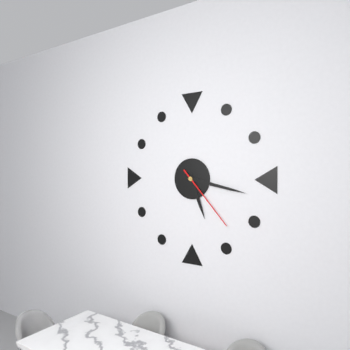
5:17:23
